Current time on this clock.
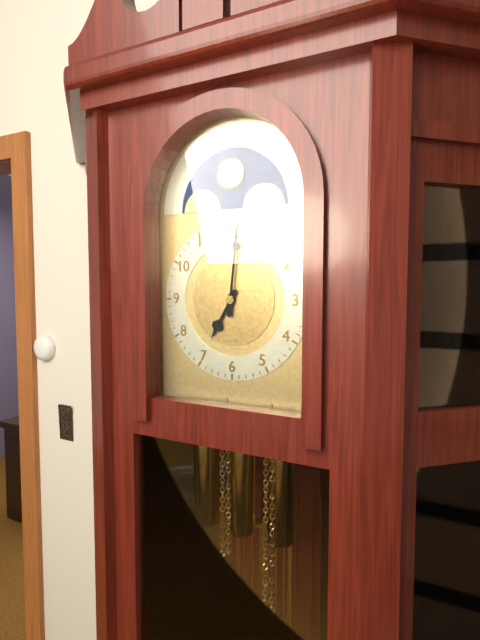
7:01
